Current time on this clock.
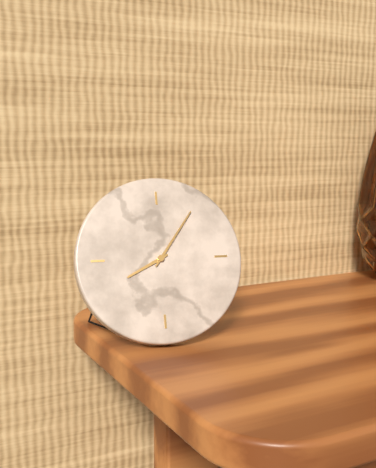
8:06
